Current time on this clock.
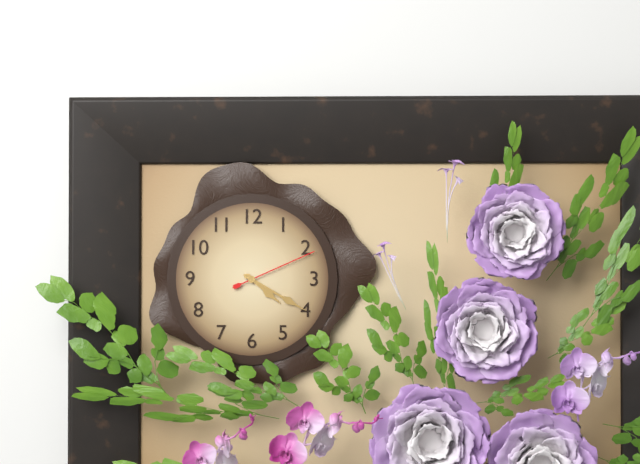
4:20:11
